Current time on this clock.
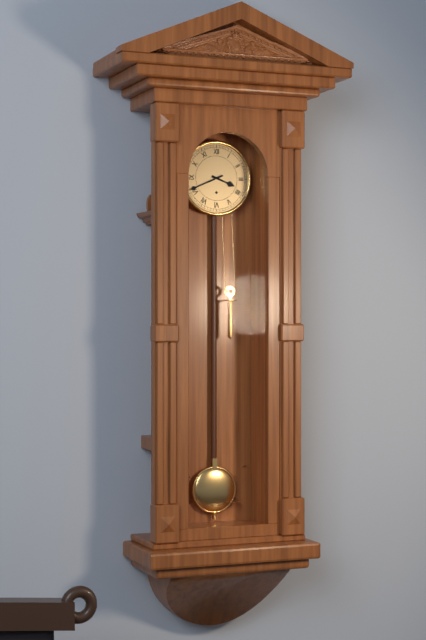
3:41
